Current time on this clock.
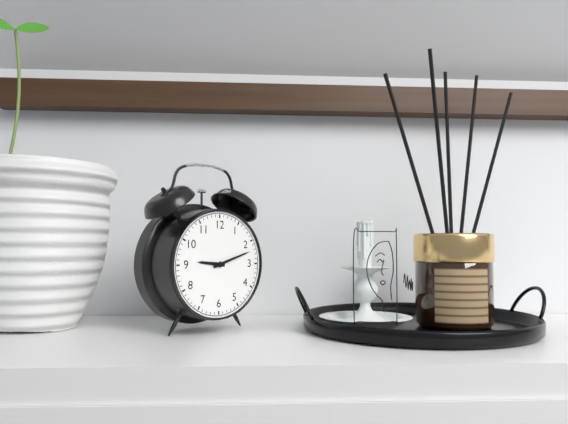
9:12
